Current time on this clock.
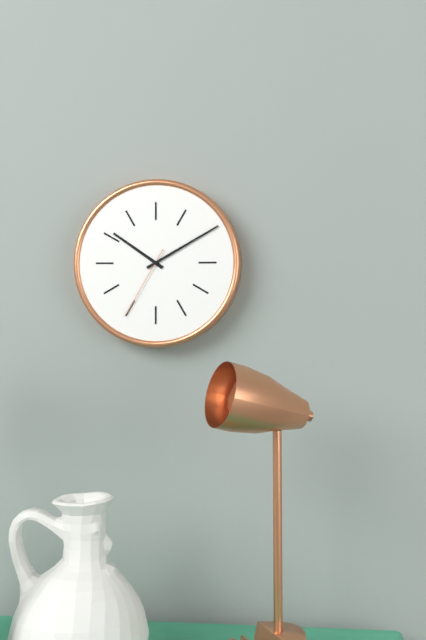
10:10:35
